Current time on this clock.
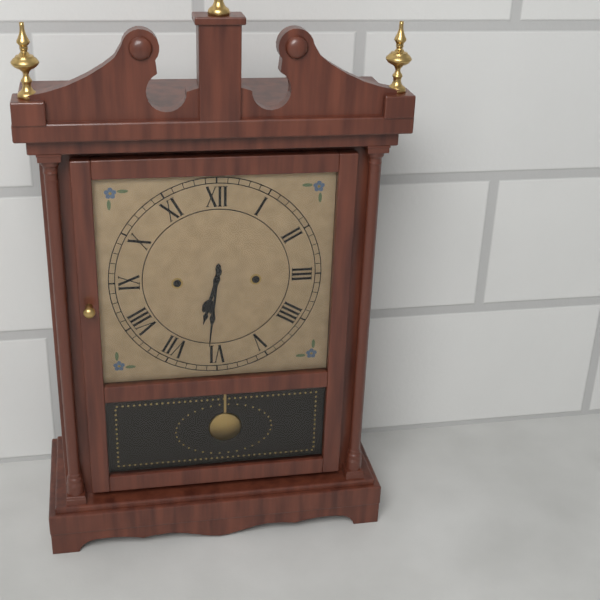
6:31
